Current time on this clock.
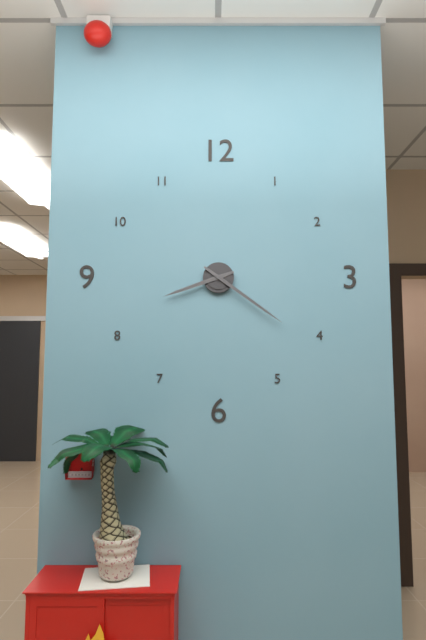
8:21
